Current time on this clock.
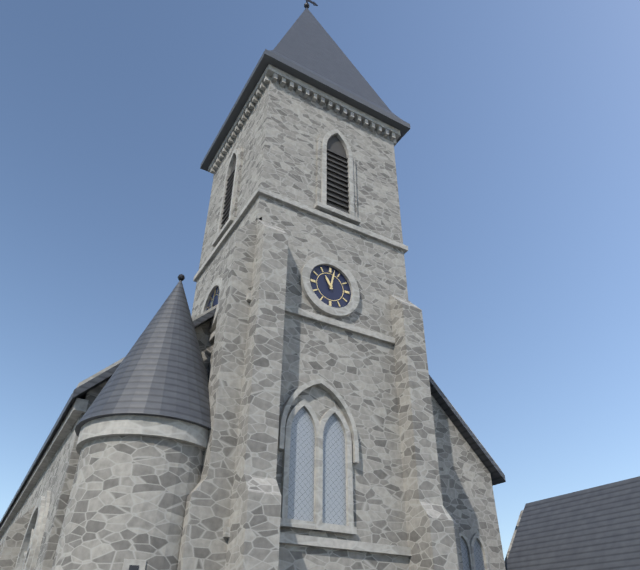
11:02
